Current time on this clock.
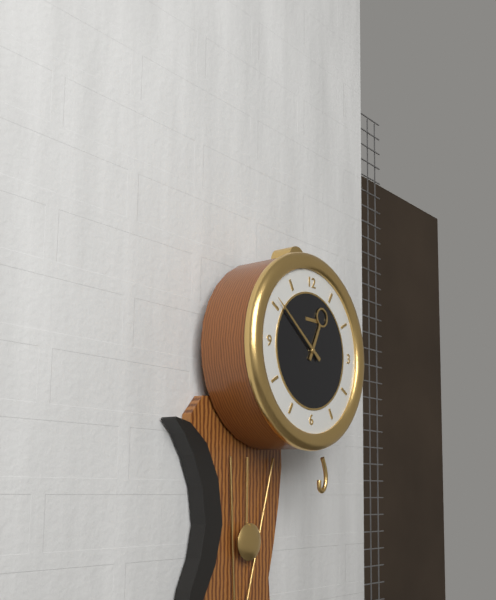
12:51
